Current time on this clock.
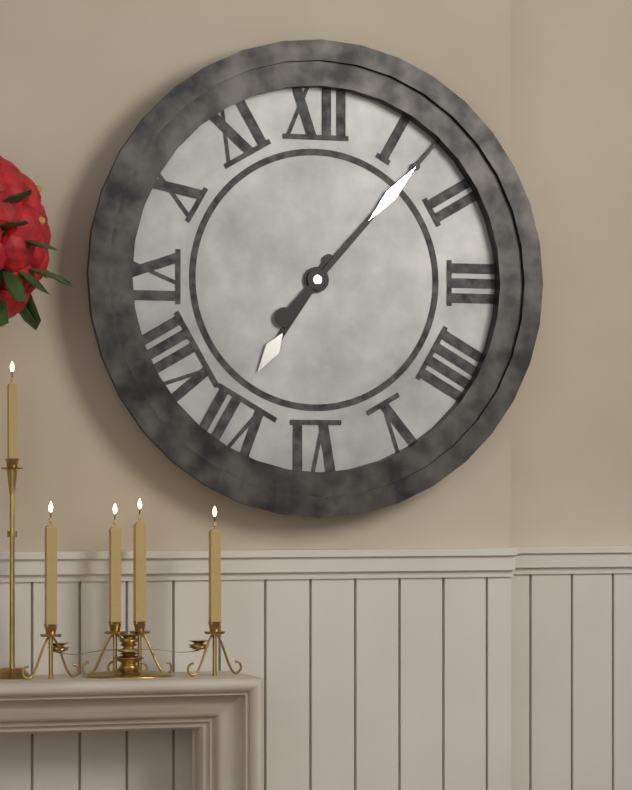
7:07
